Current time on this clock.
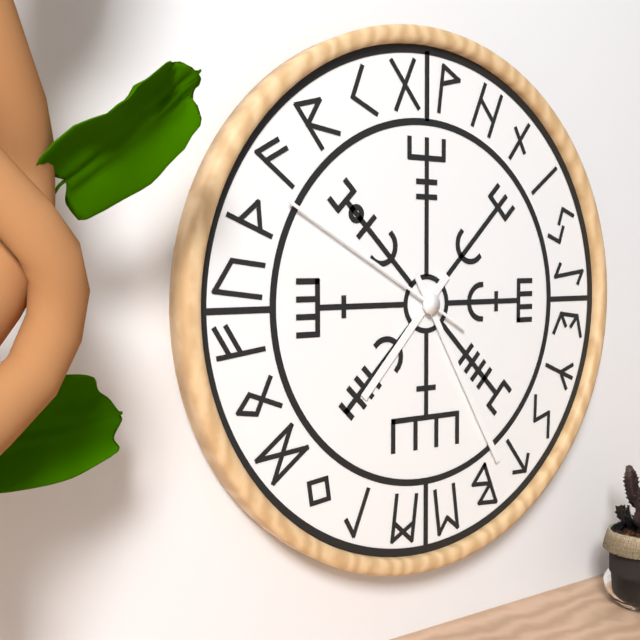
7:25:50
